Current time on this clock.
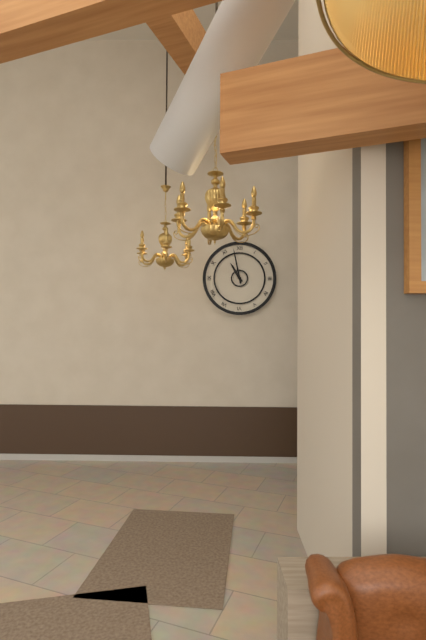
10:58
